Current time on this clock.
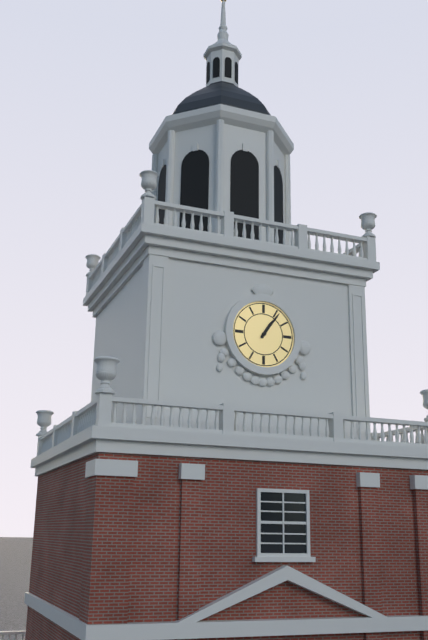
1:06
